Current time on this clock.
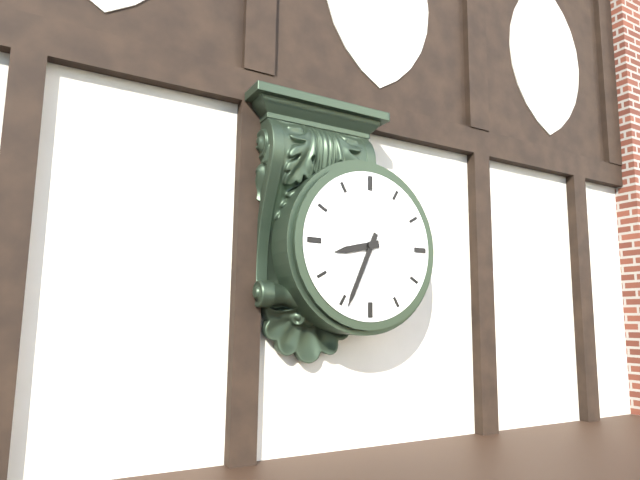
8:34
